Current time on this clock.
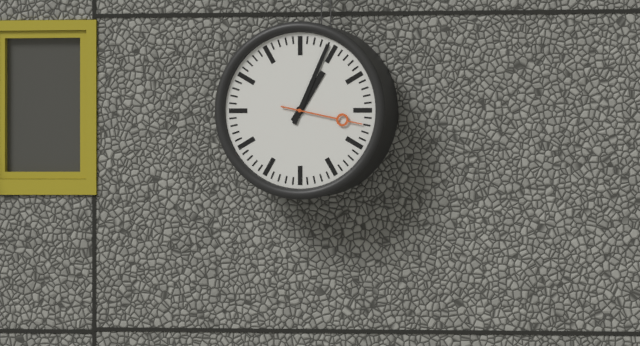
1:04:17
